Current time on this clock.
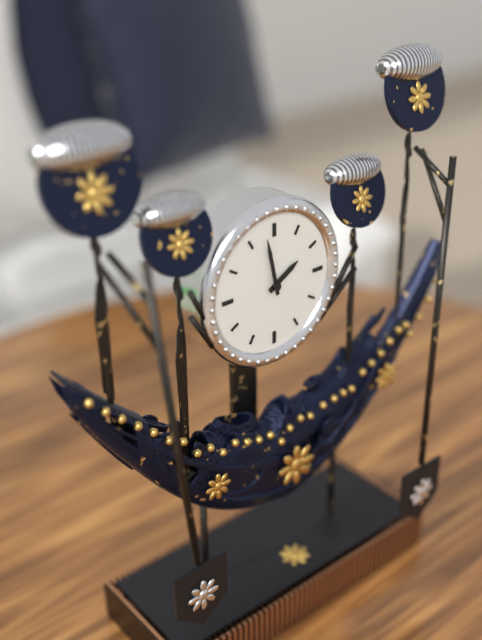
1:58
